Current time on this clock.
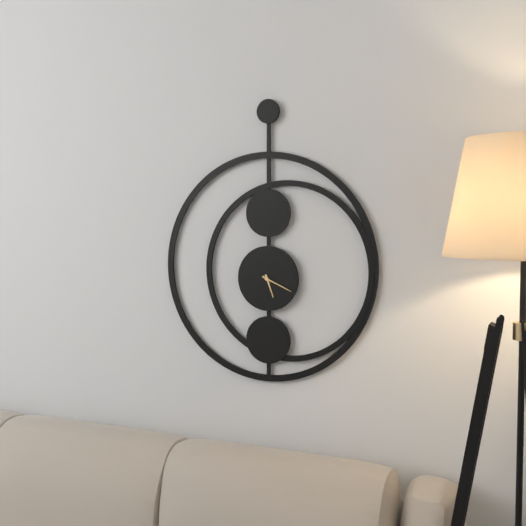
5:19
